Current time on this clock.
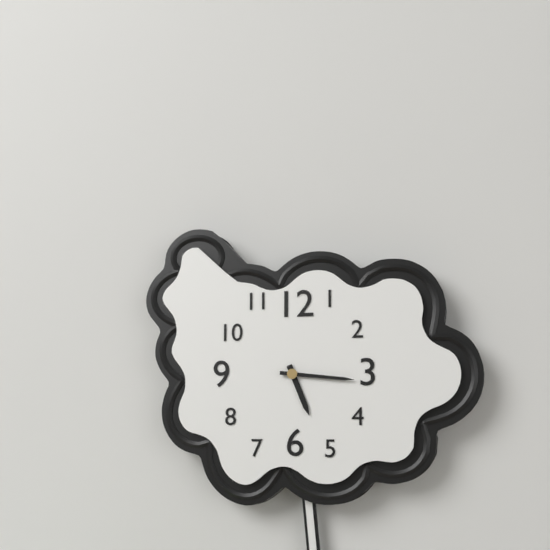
5:16
